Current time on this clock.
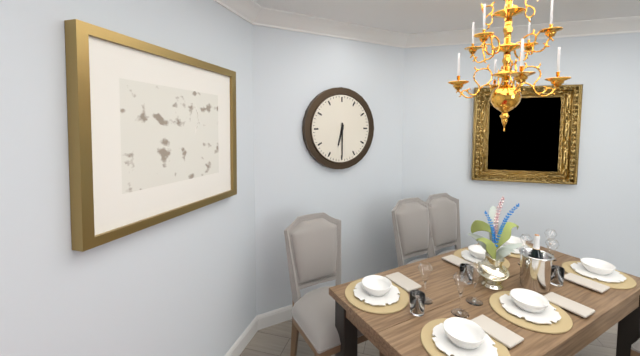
6:30
